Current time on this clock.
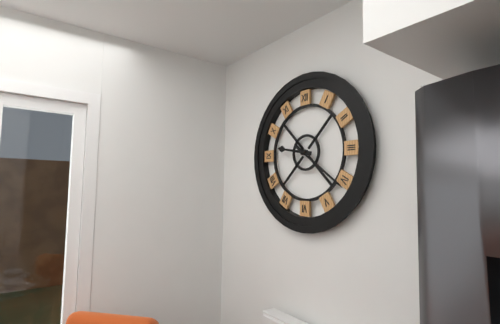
9:21
